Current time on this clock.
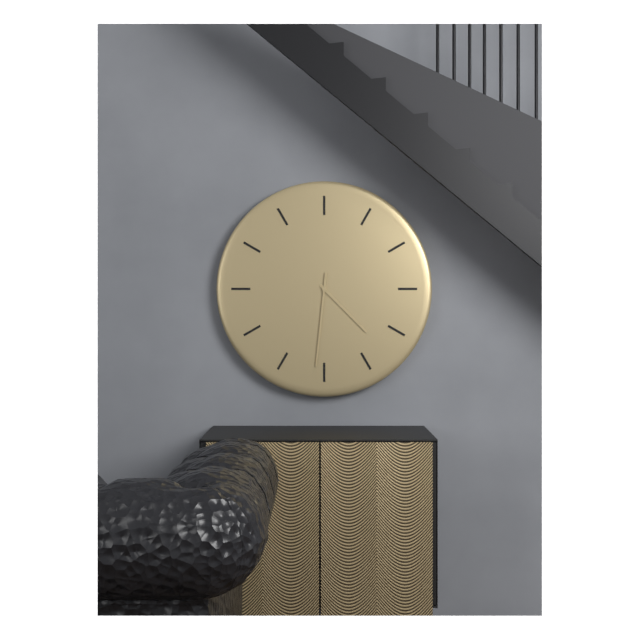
4:31
